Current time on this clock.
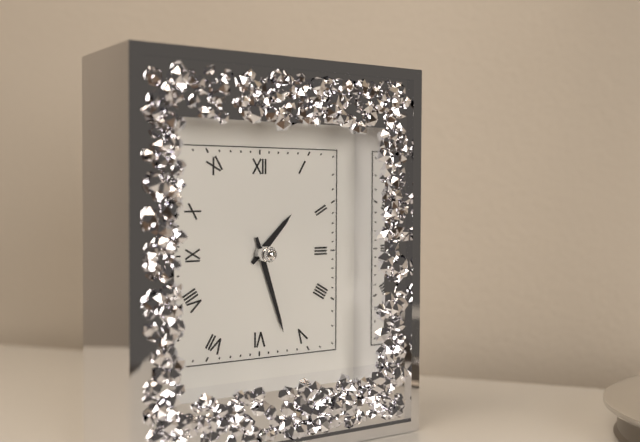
1:27
